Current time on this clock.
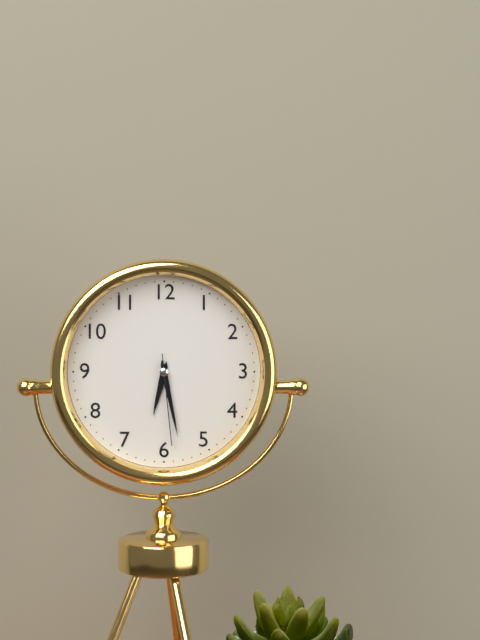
6:28:29
